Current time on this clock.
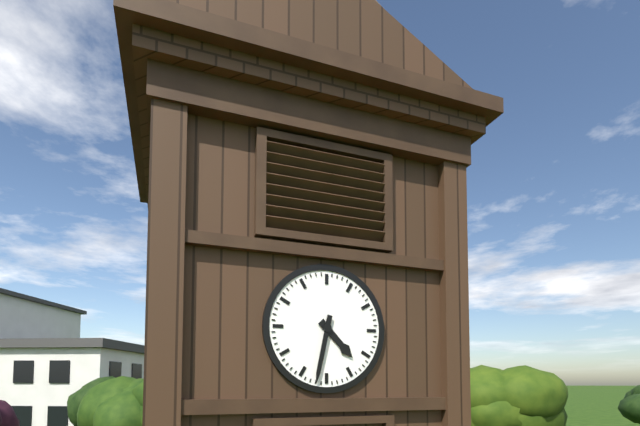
4:32
